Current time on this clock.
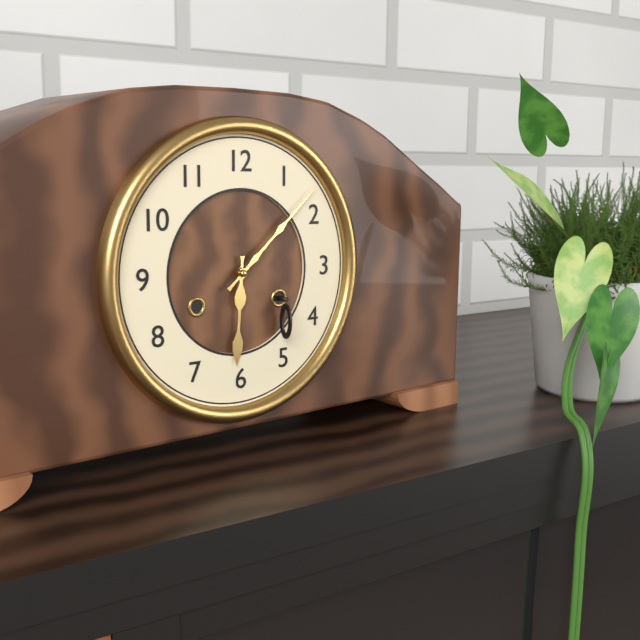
6:08
